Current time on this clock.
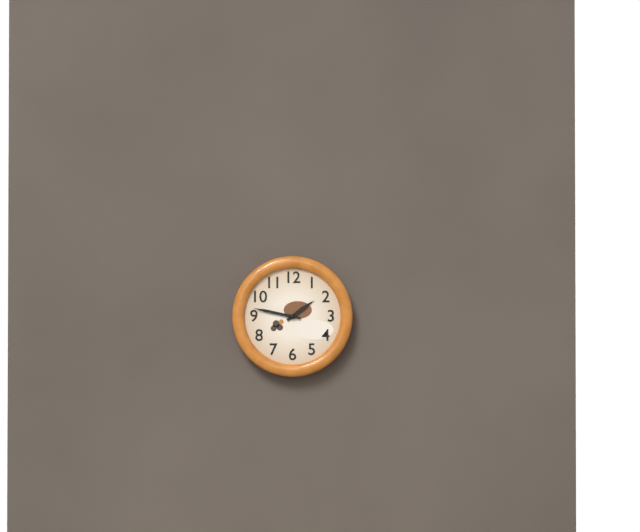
1:47
